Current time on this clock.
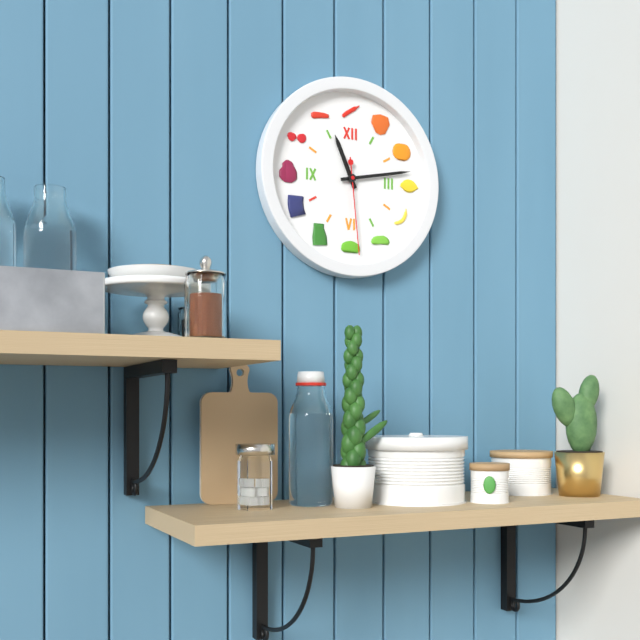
11:13:29
